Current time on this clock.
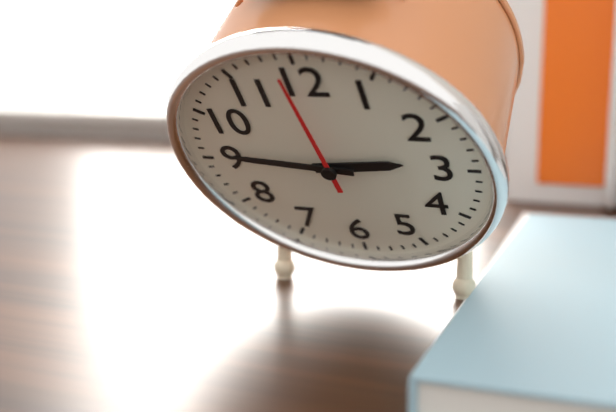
2:46:59
